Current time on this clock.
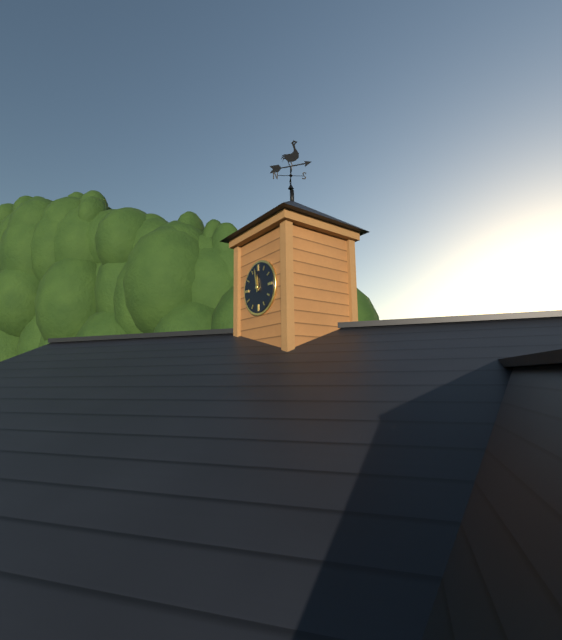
11:58
